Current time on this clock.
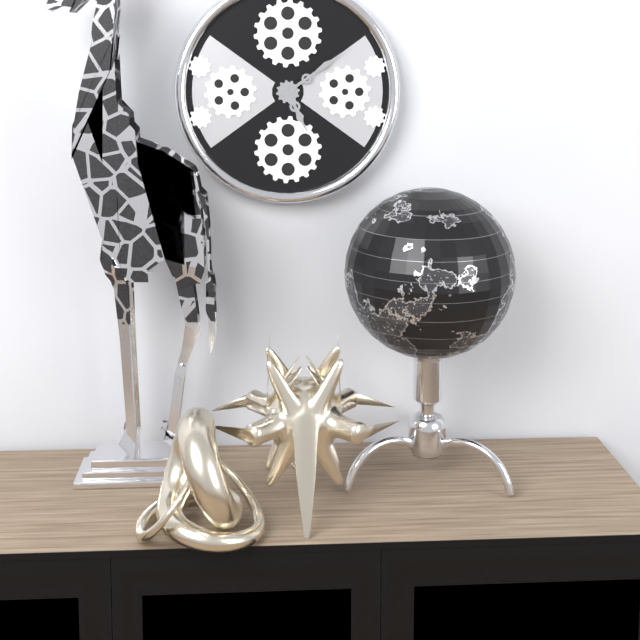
5:09
